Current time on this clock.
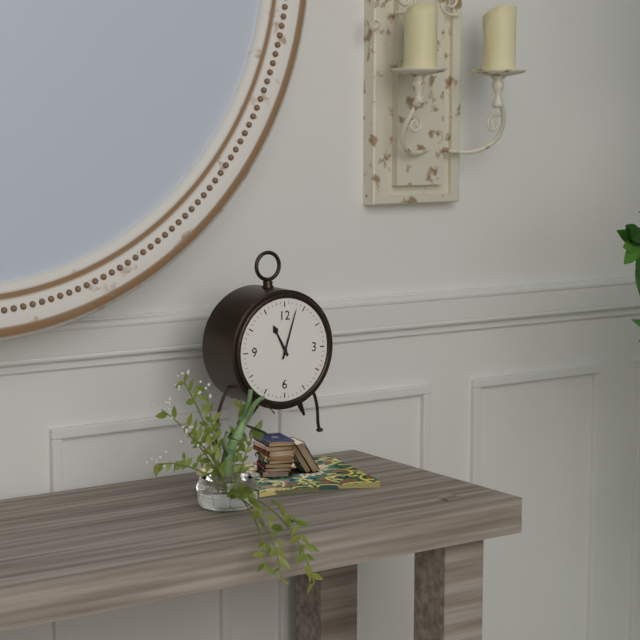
11:03
